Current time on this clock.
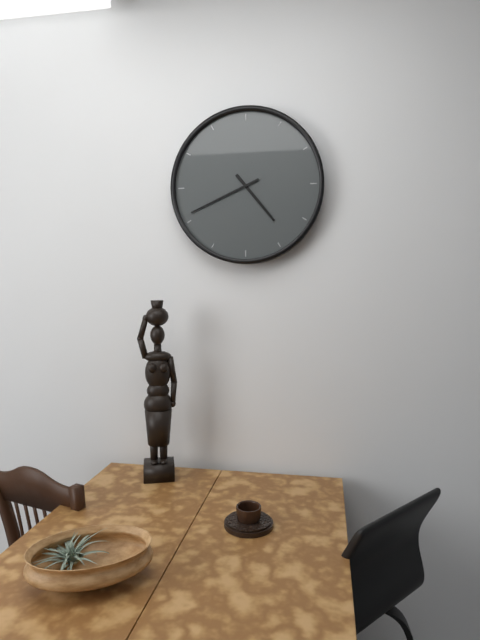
4:41
